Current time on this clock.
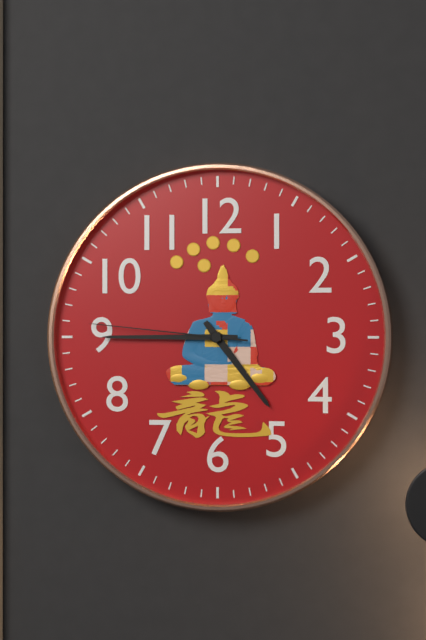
4:45:46
